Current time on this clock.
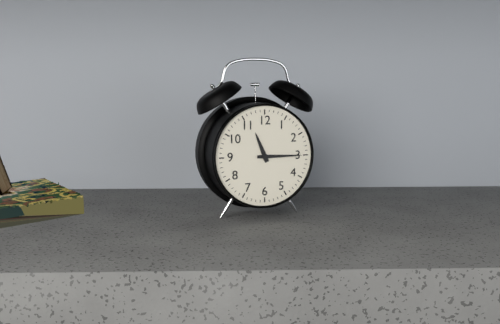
11:15
